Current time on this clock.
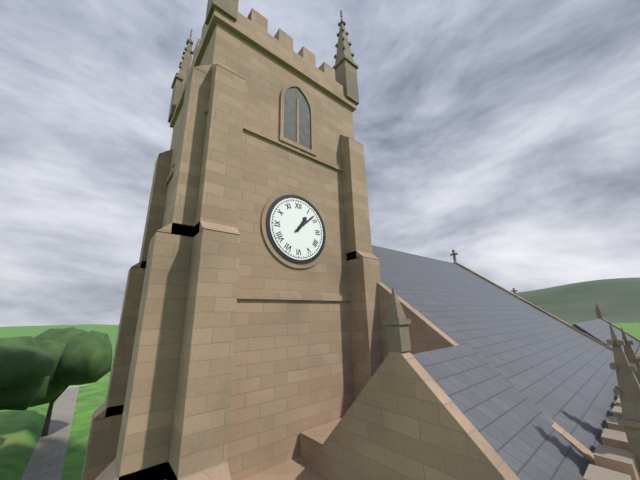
1:08
